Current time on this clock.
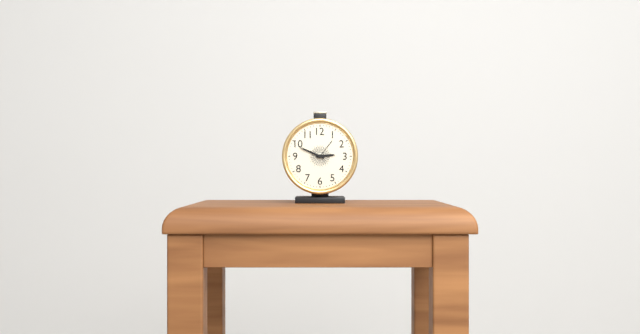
2:49
